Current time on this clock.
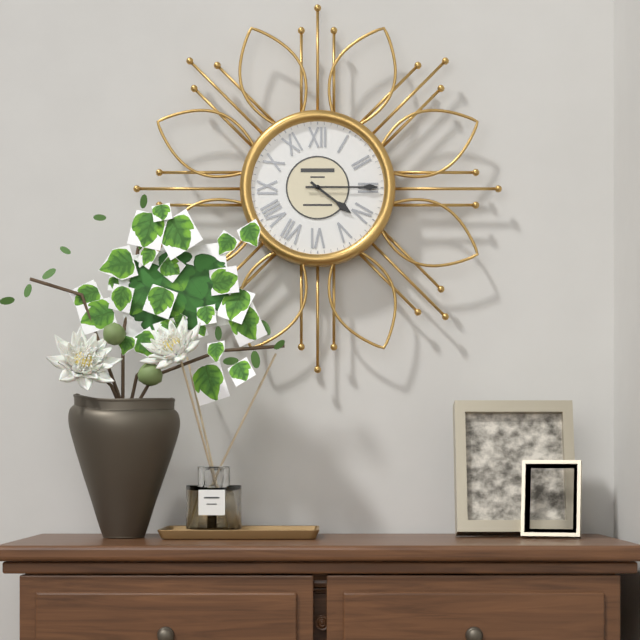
4:15
